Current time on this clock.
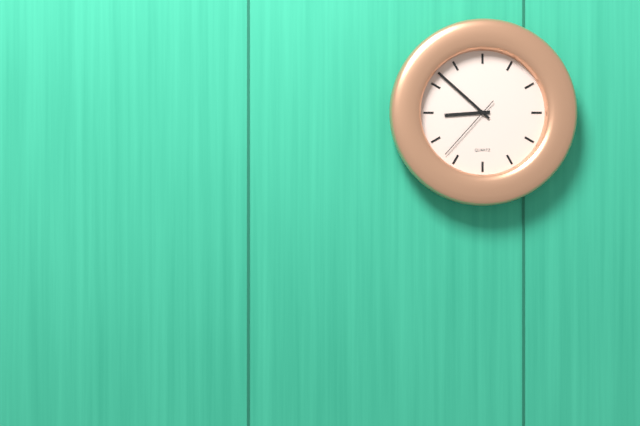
8:52:37
